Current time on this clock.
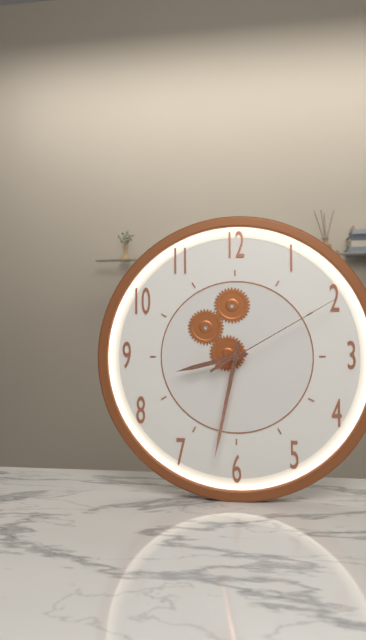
8:32:10
